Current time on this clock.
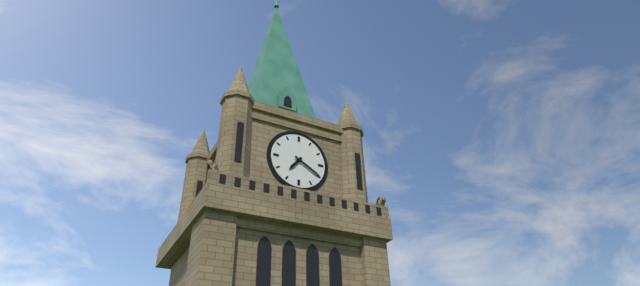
7:20
